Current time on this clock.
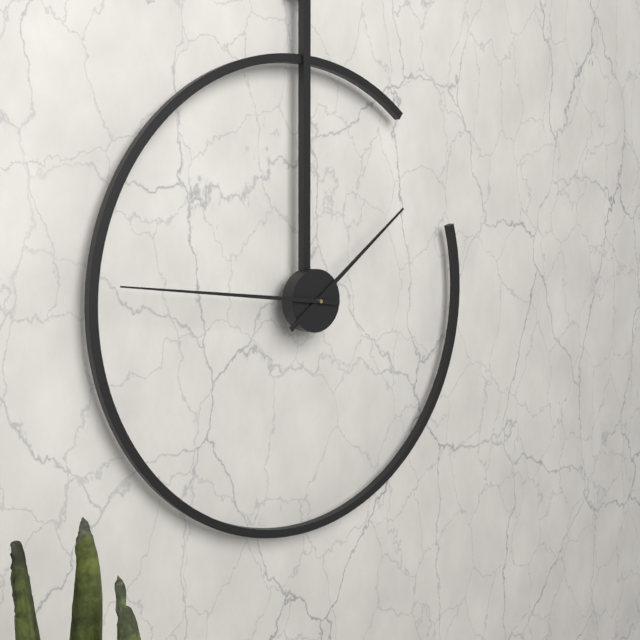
1:46
